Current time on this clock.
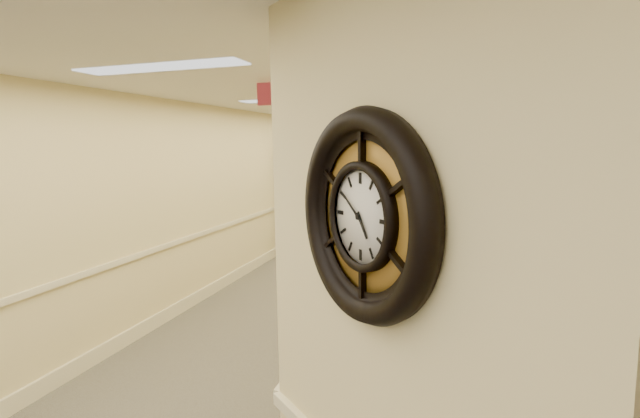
4:51
